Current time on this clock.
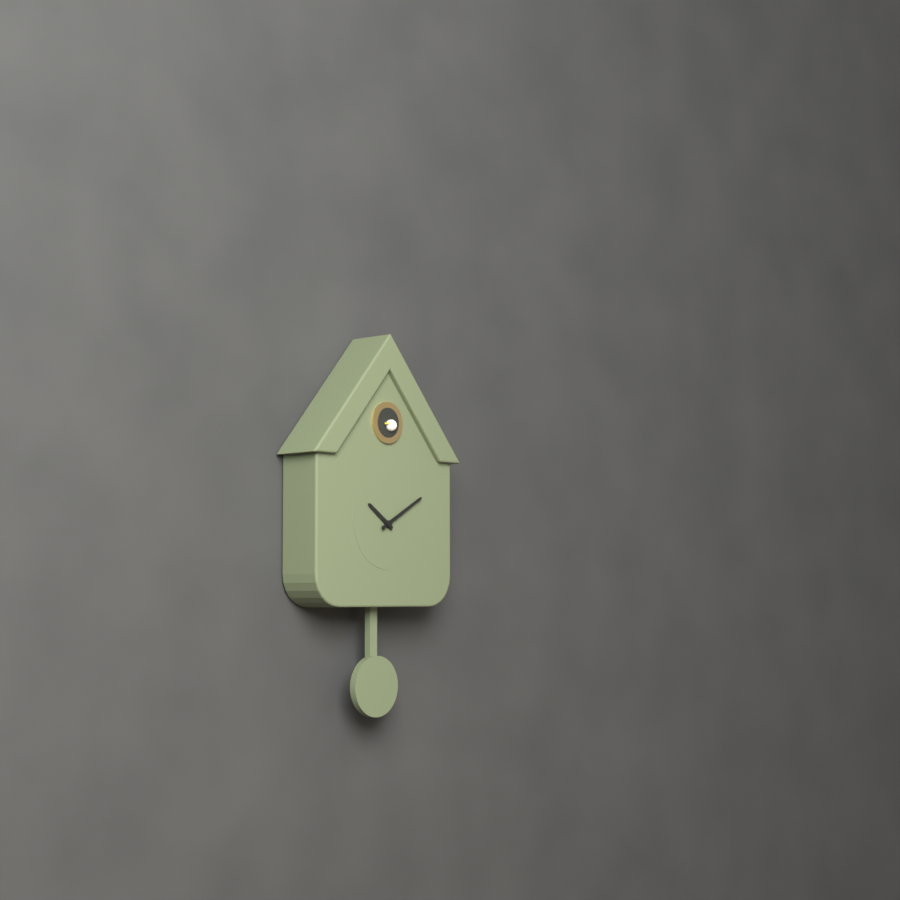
10:10
